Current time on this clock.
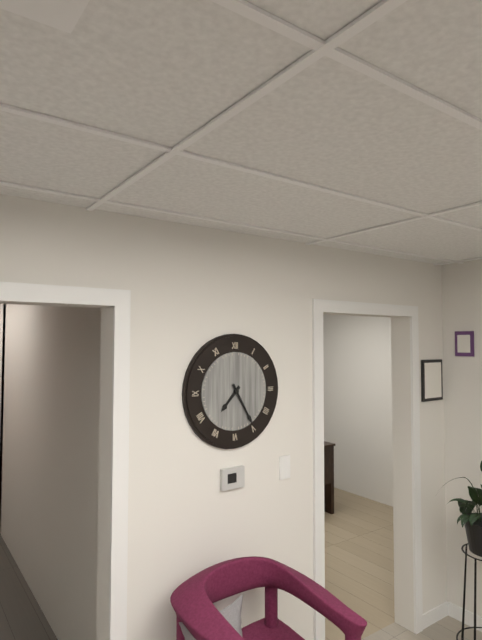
7:25
